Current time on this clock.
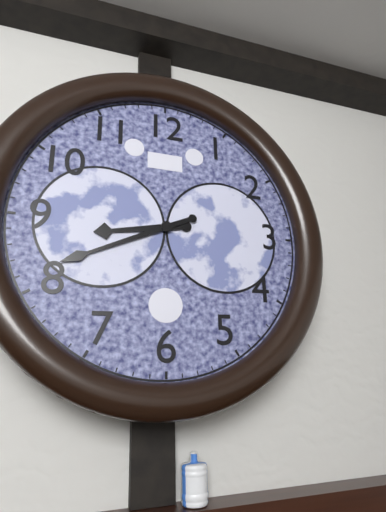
8:41
